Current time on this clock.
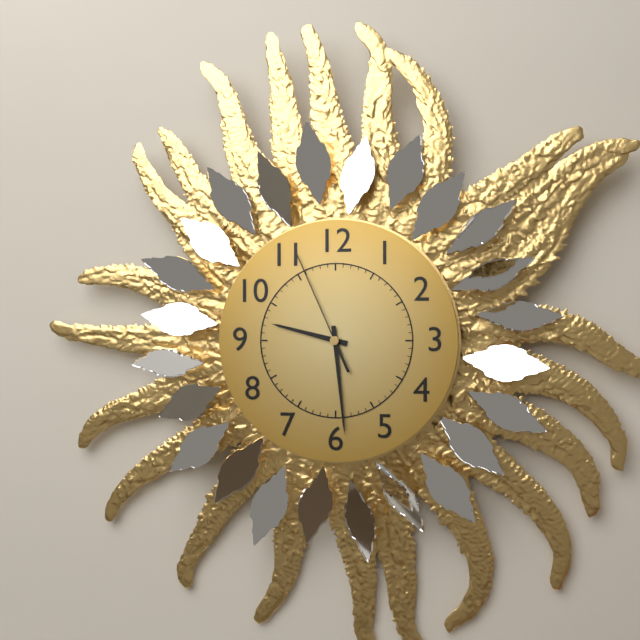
9:29:56
